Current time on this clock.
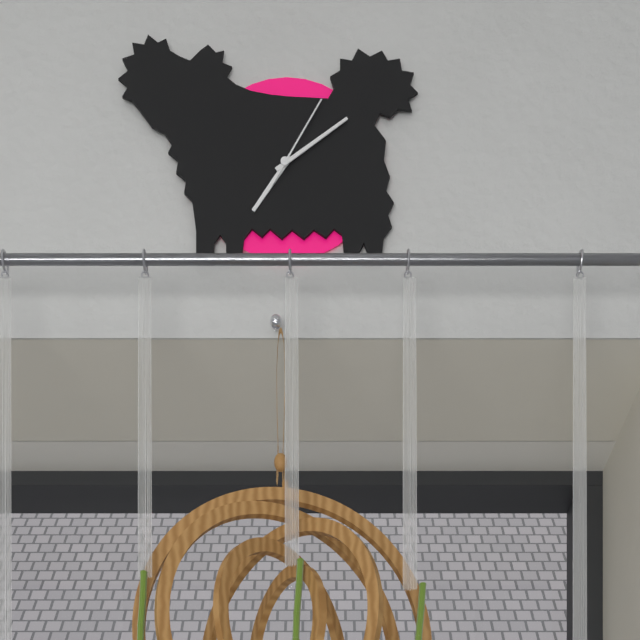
7:09:05
